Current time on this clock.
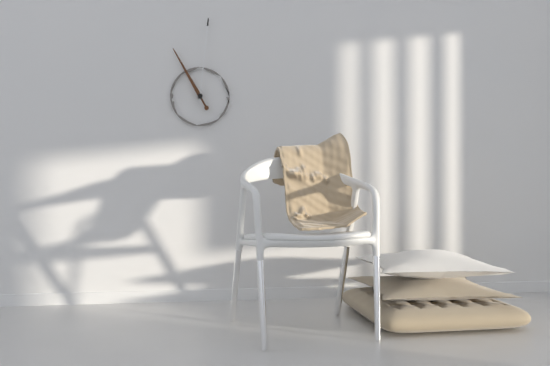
11:01
